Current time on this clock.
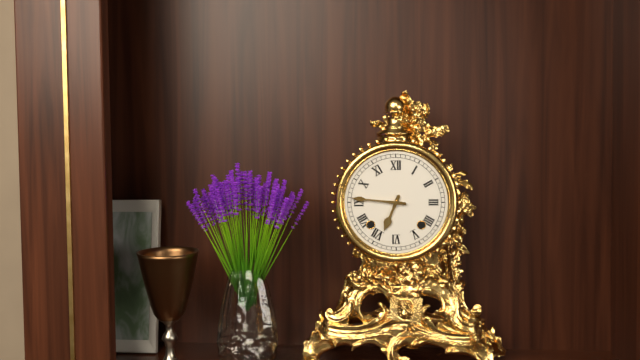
6:46
